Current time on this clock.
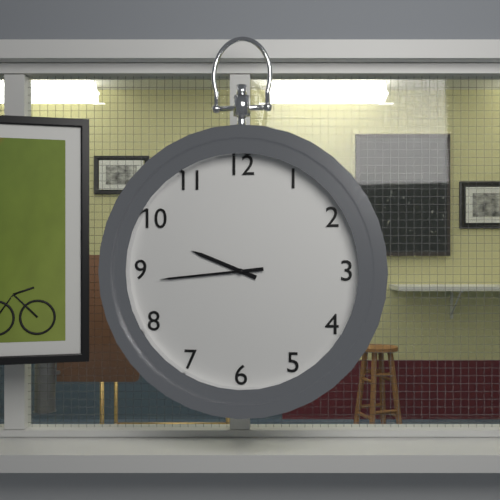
9:44
